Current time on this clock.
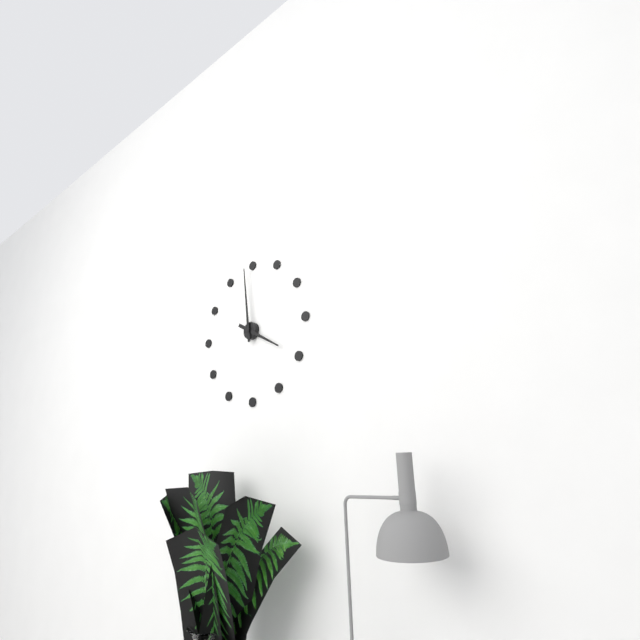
3:59
